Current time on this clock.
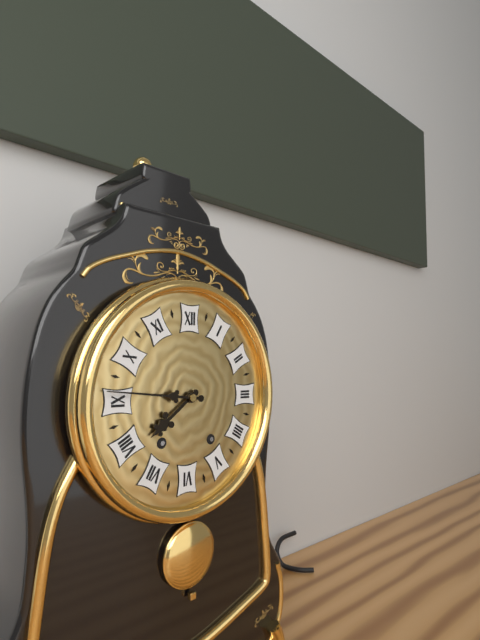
7:46
